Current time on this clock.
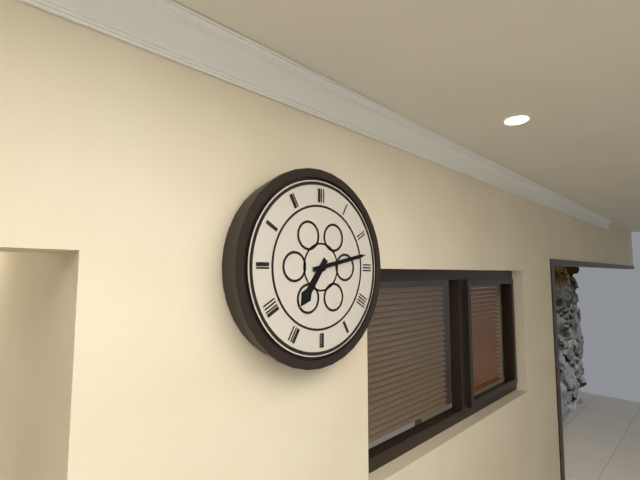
7:13
